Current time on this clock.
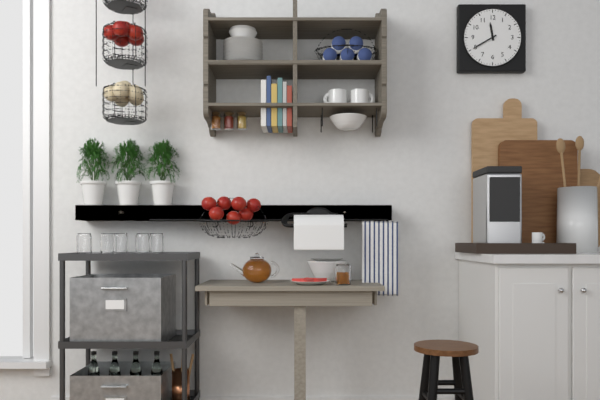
11:40
